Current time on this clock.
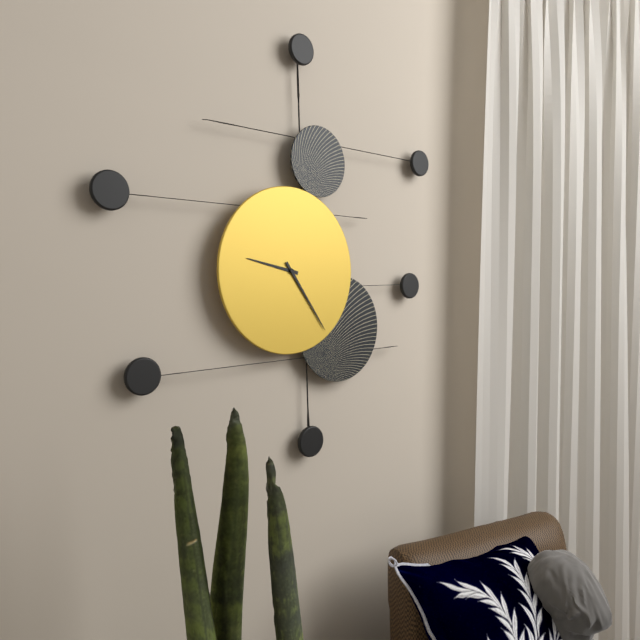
9:24
